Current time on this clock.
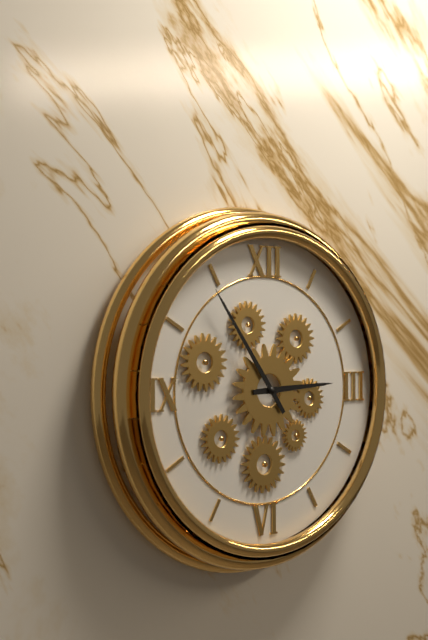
2:54
